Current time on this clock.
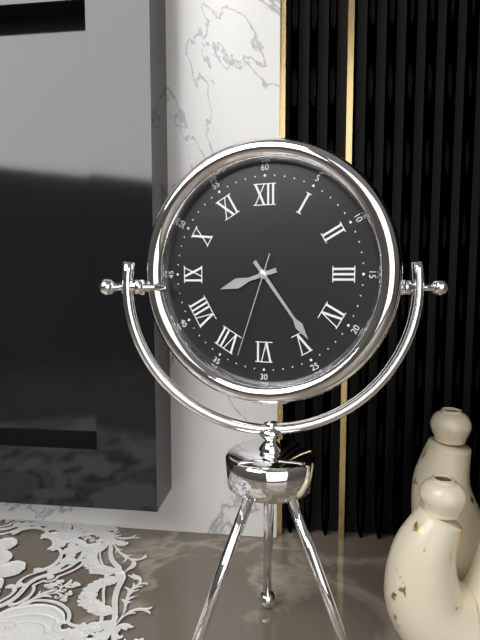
8:24:33
